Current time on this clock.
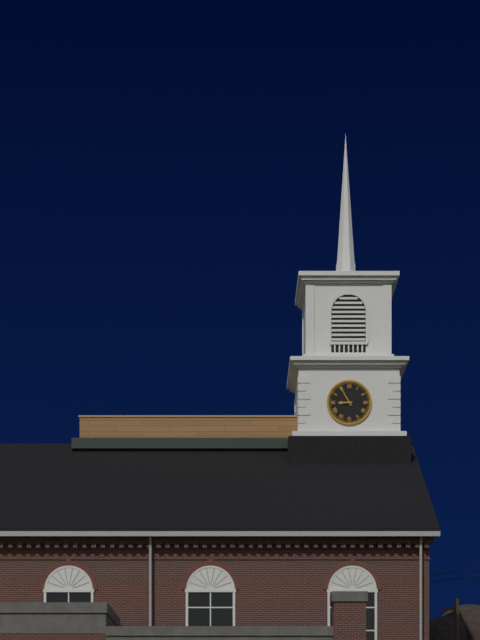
8:55
